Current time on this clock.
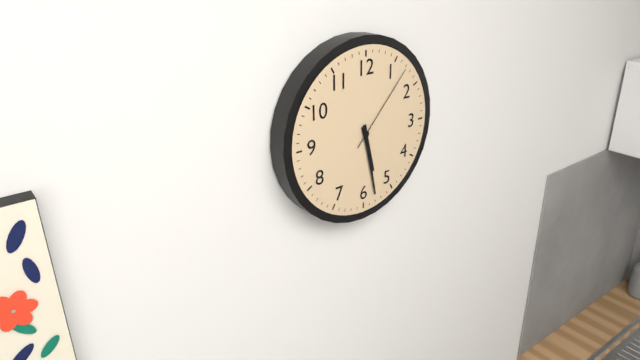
5:28:07
